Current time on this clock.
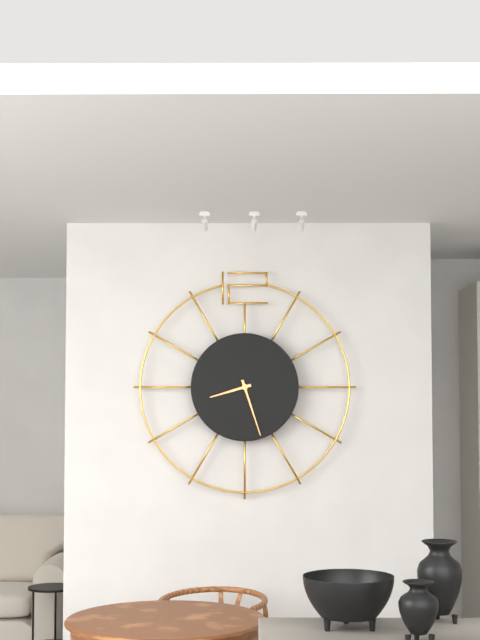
8:27
